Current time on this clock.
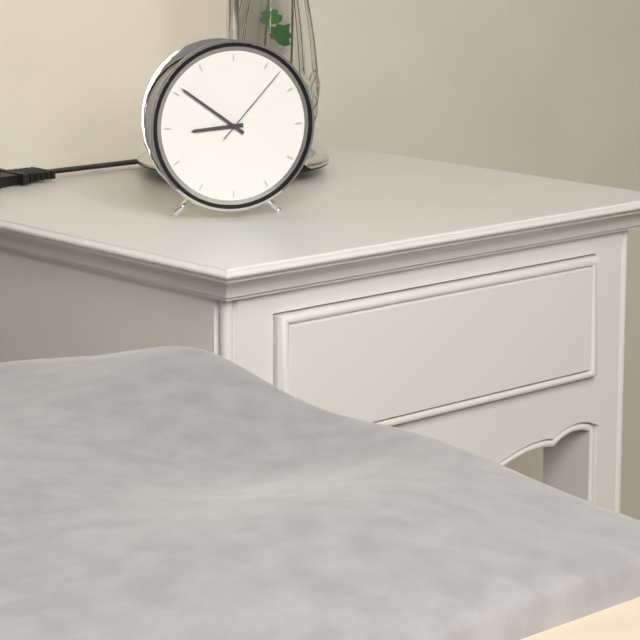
8:51:07
